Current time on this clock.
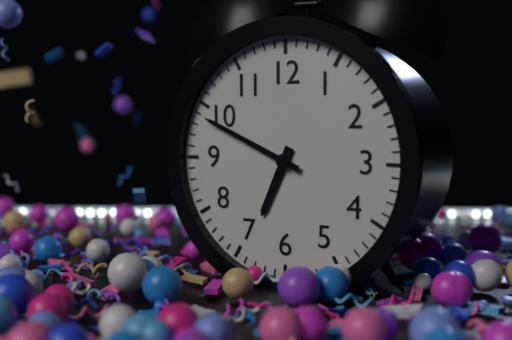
6:49
